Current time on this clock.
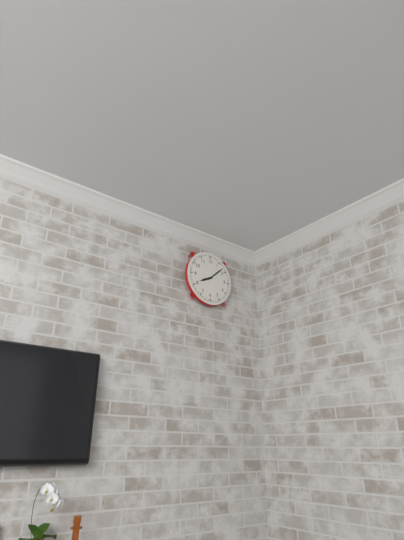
8:08
